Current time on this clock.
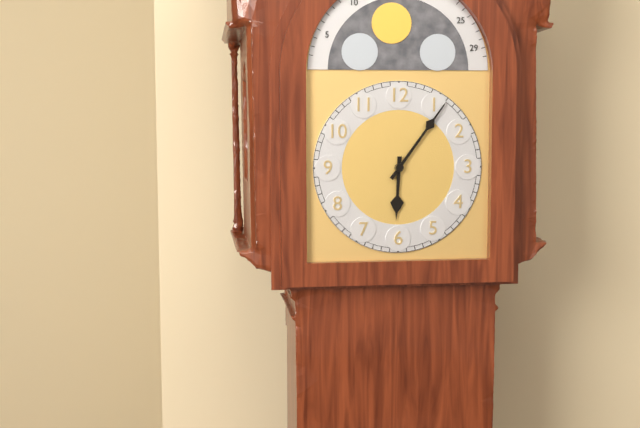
6:06
